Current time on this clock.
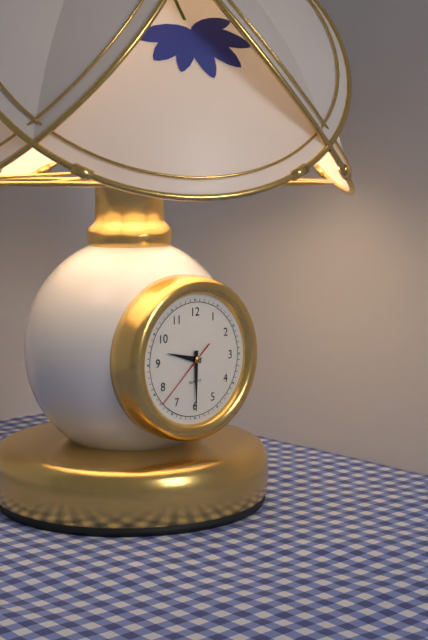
9:30:38
